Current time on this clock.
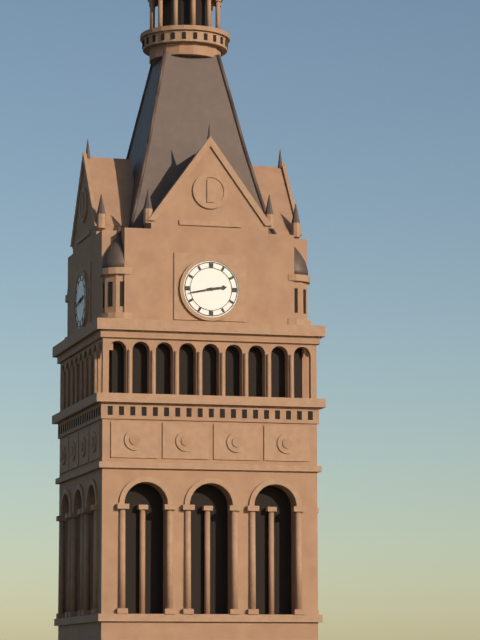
2:43
